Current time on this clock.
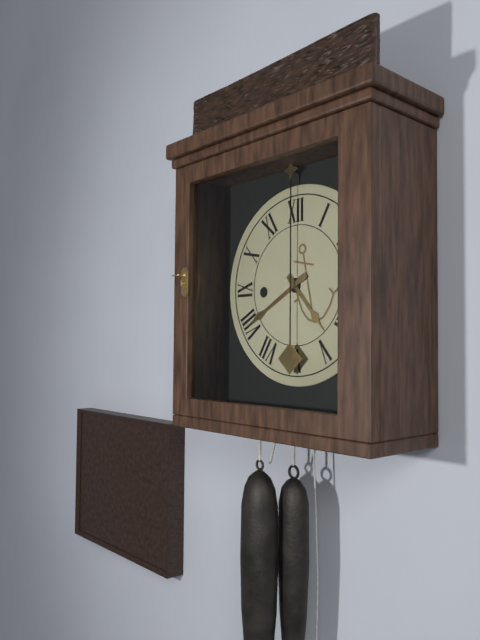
4:40
